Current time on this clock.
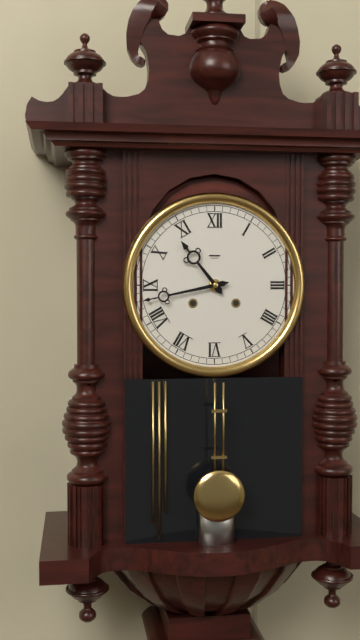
10:43
